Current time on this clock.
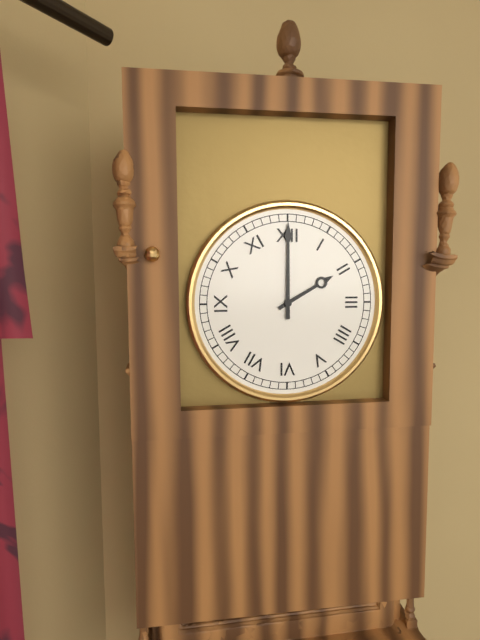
2:00
